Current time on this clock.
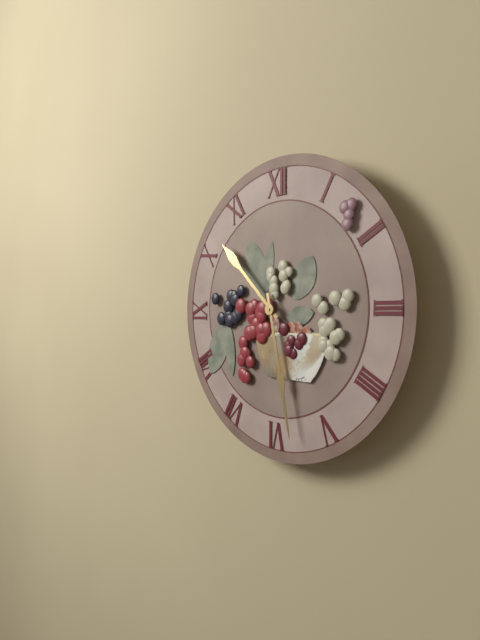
10:28
